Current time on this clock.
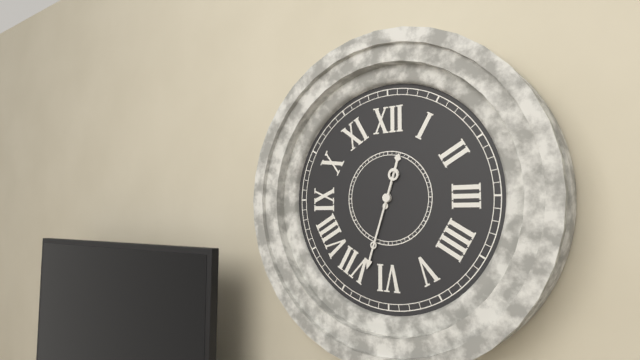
12:33
